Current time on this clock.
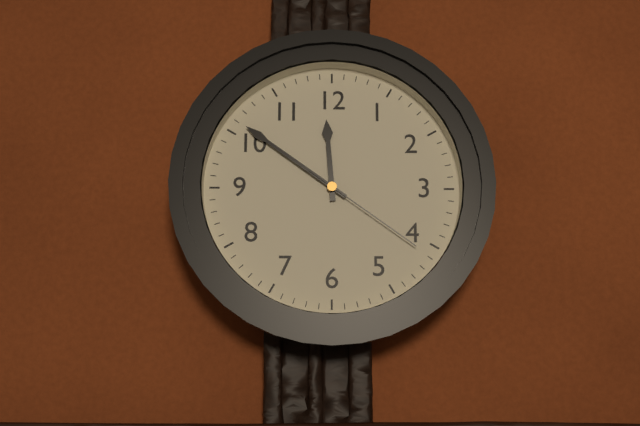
11:51:21
